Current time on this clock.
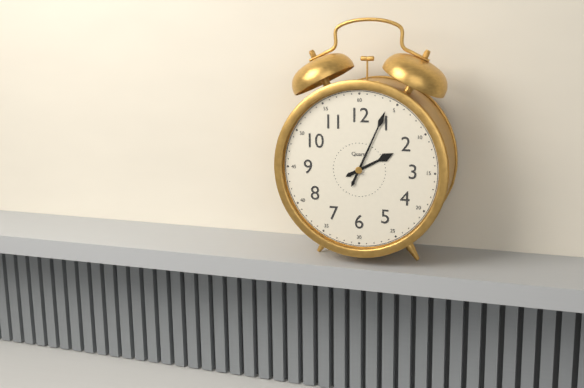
2:04
